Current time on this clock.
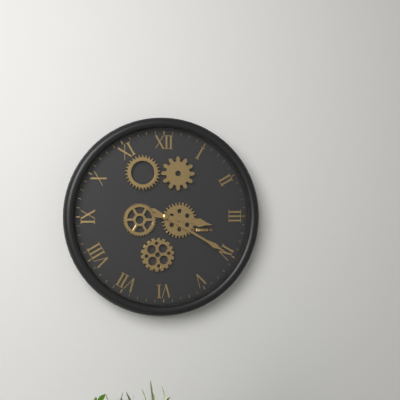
3:20
